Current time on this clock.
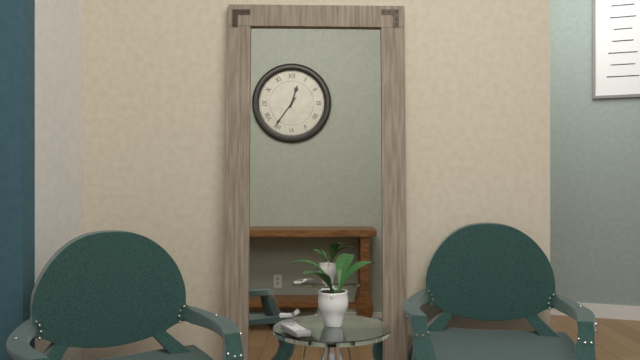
12:36
